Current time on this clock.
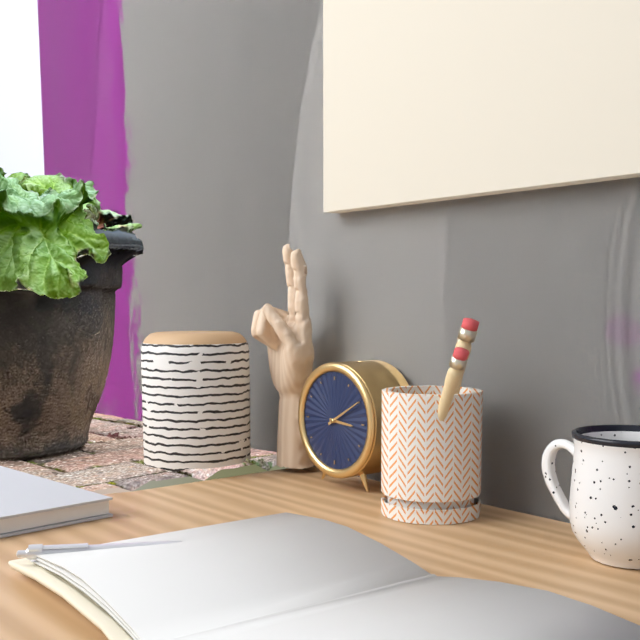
3:10
